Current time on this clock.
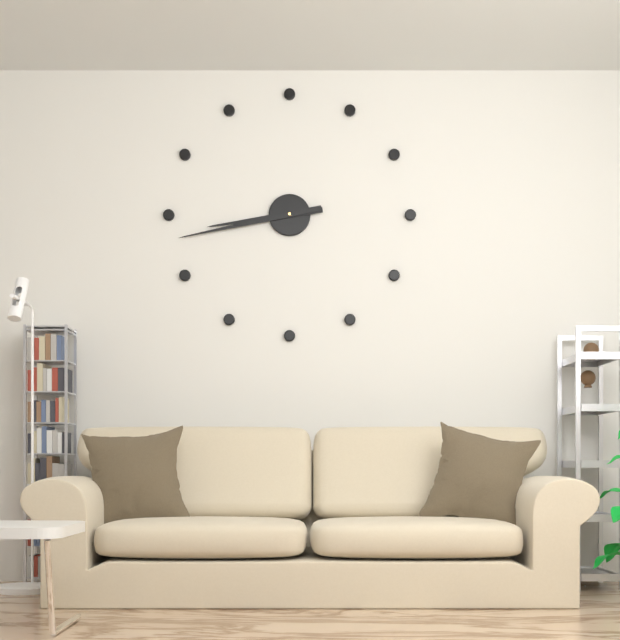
8:43
